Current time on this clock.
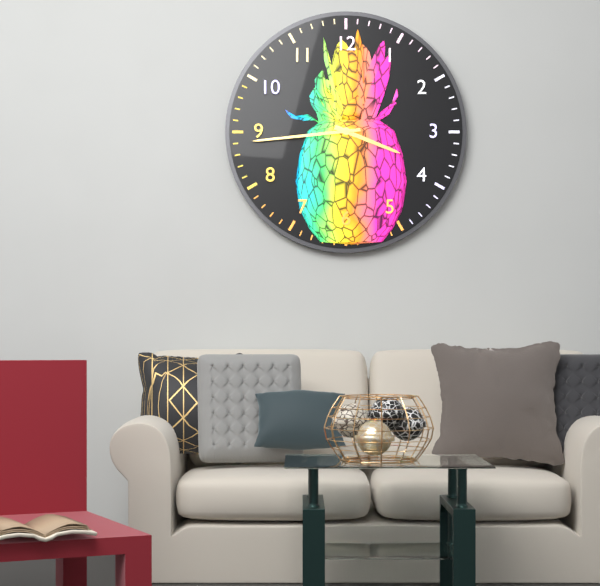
3:44
